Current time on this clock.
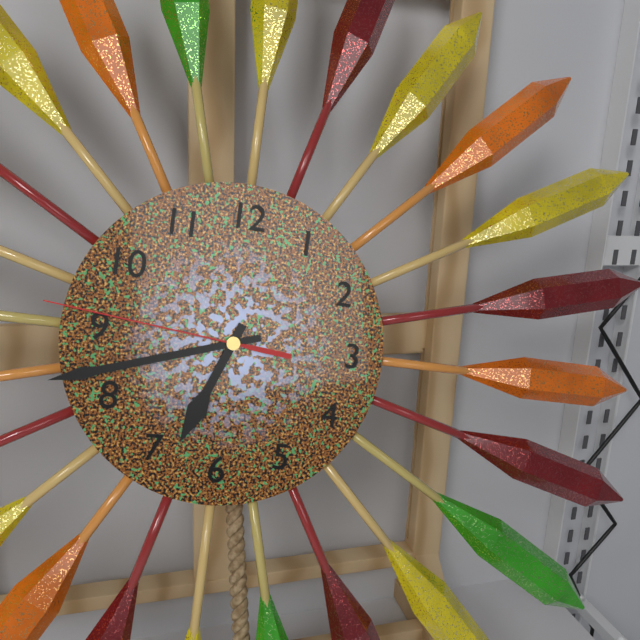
6:42:46
